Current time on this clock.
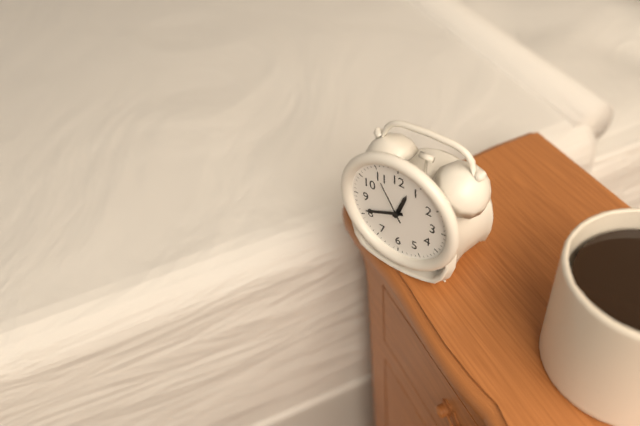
12:41
